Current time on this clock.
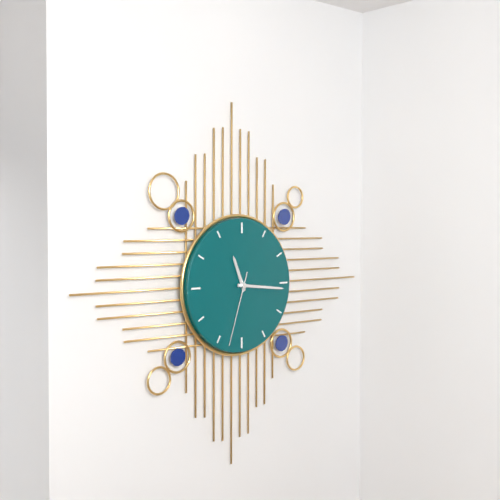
11:16:33
